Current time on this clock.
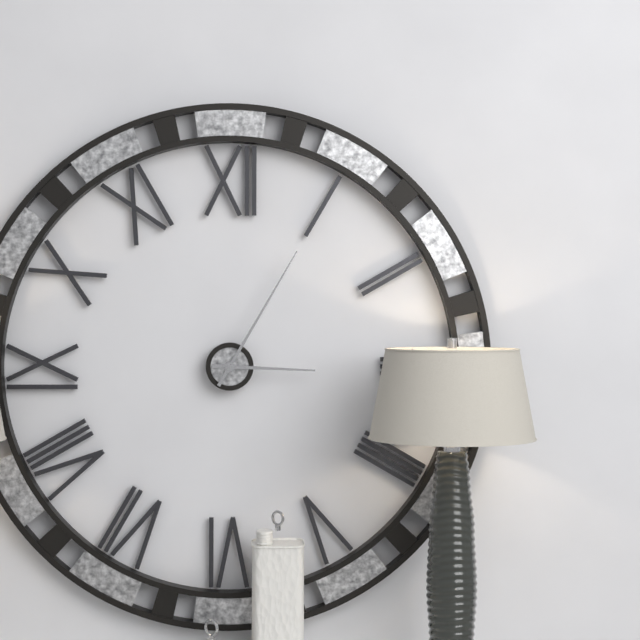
3:05
